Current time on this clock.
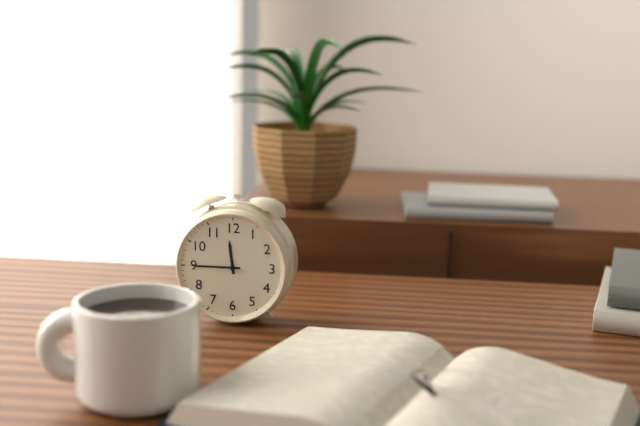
11:45
